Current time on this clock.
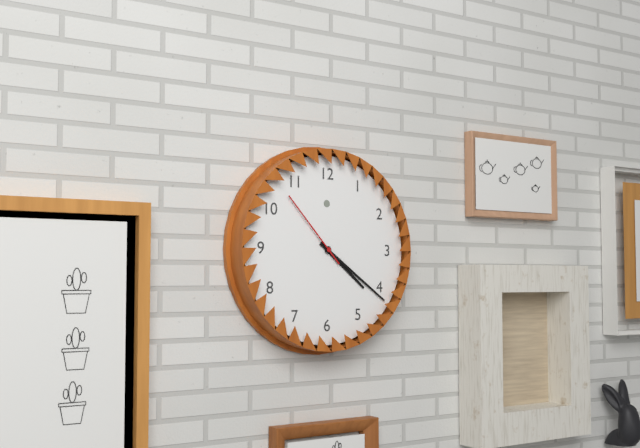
4:21:53
